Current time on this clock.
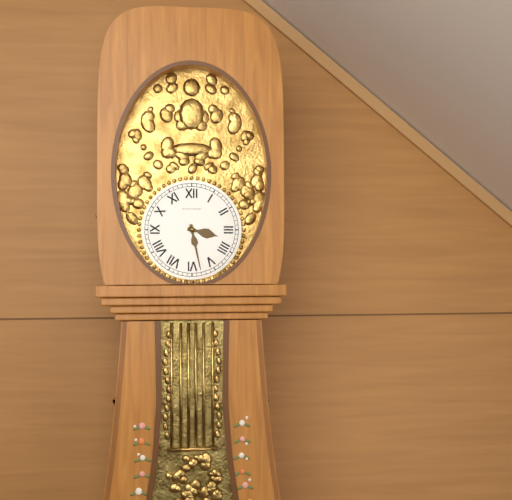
3:28
